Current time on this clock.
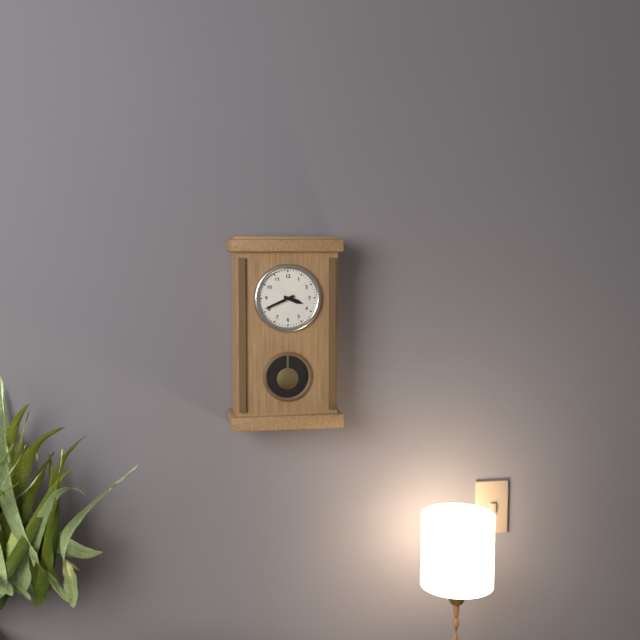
3:41
